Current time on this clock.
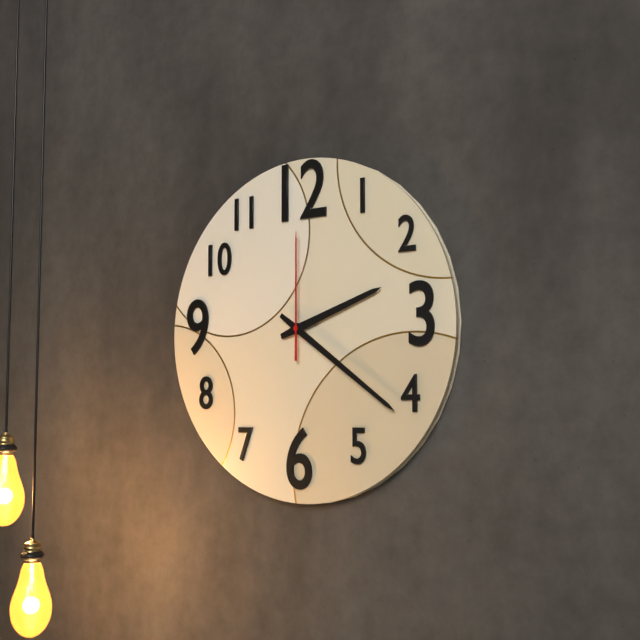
2:21:00
